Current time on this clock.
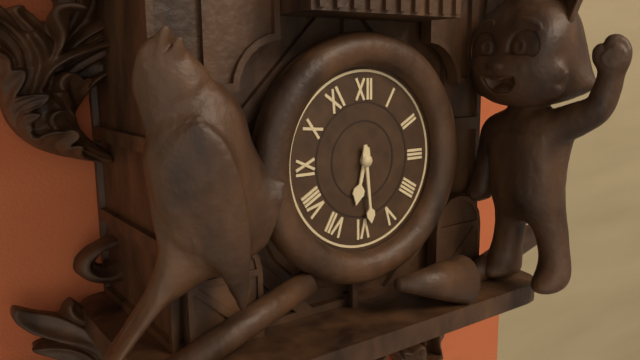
6:29
